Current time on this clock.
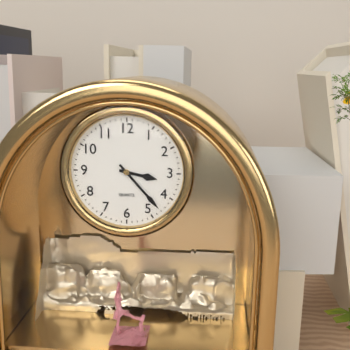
3:23
